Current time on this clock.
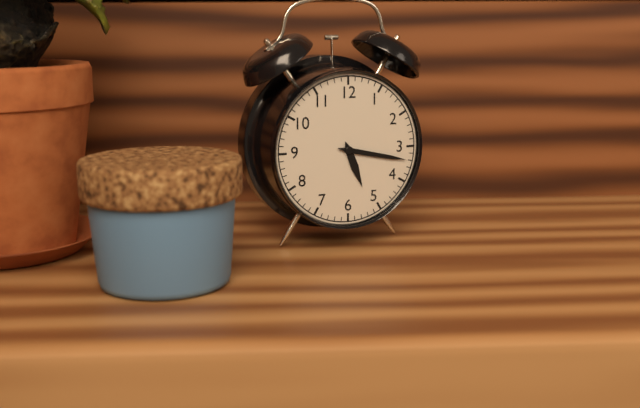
5:17
